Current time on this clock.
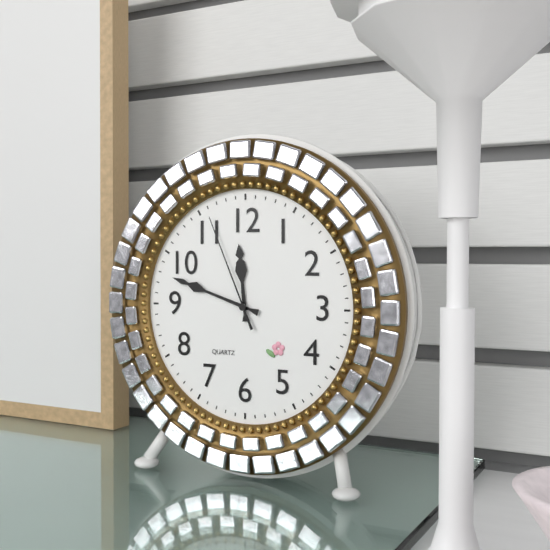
11:48:56
